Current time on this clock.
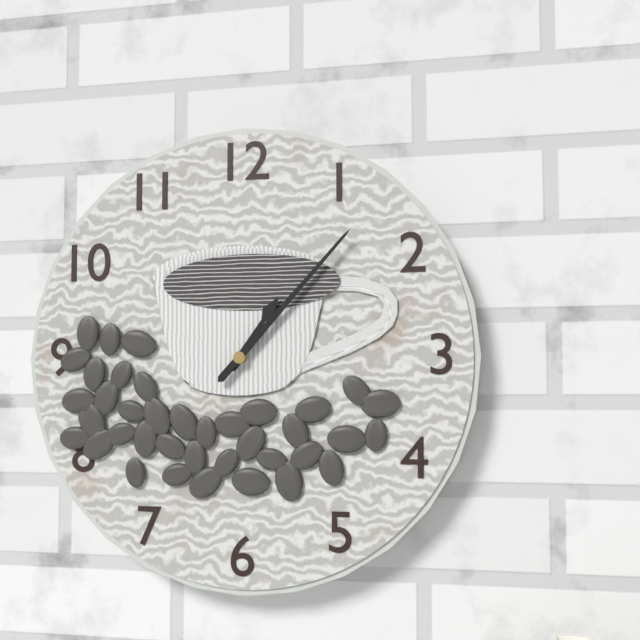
1:07
